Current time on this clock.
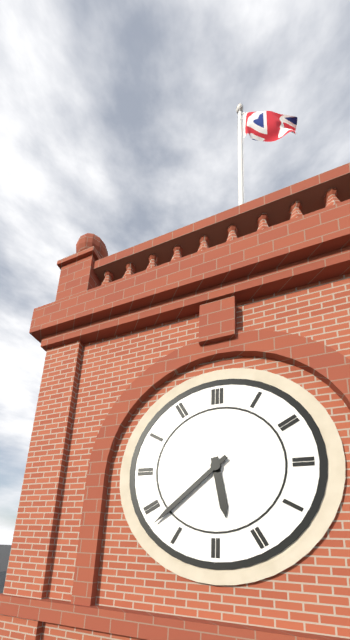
5:38
